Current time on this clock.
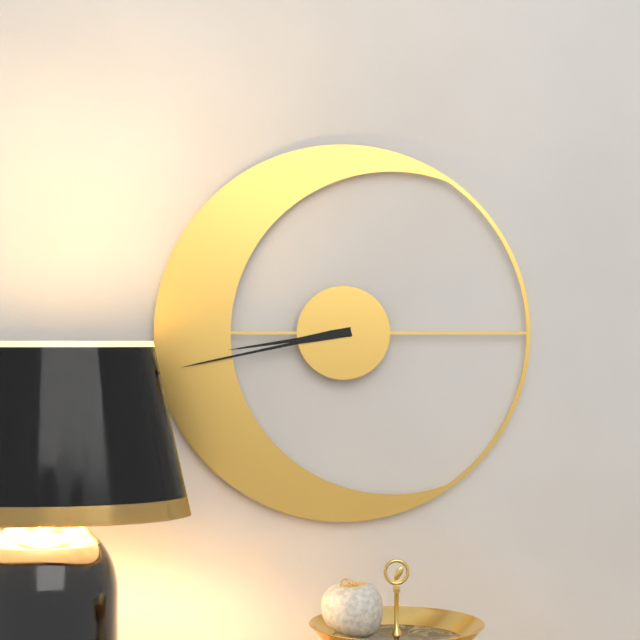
8:43
